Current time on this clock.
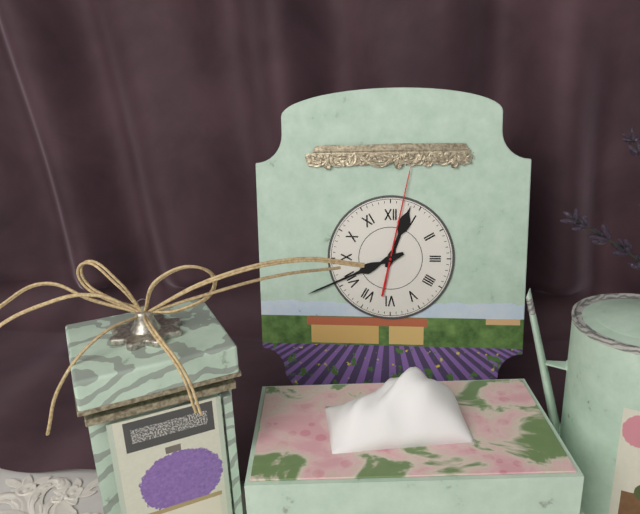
12:41:02
